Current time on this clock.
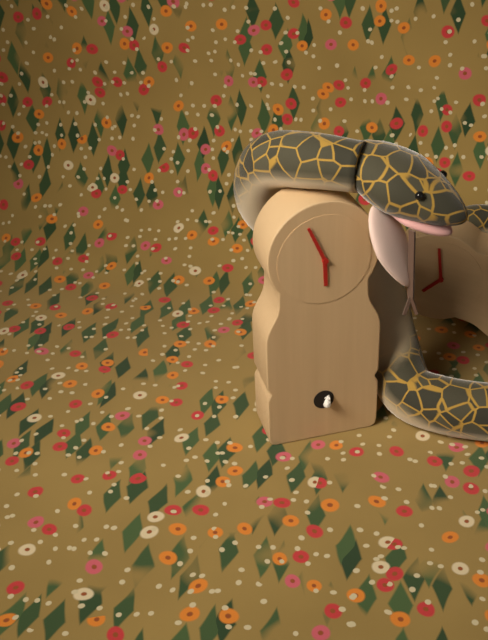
5:56
